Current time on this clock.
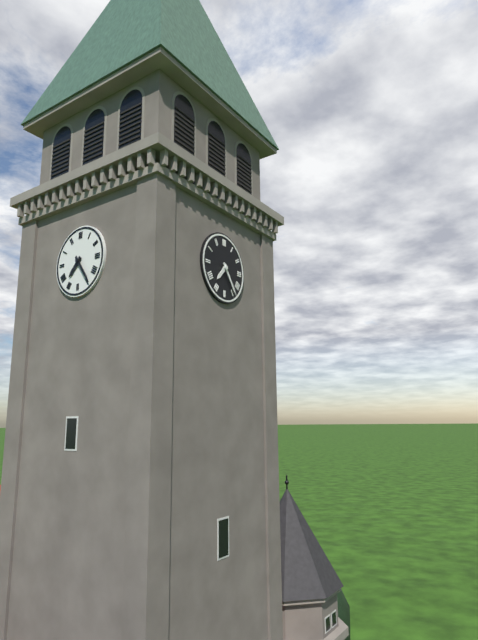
7:24
